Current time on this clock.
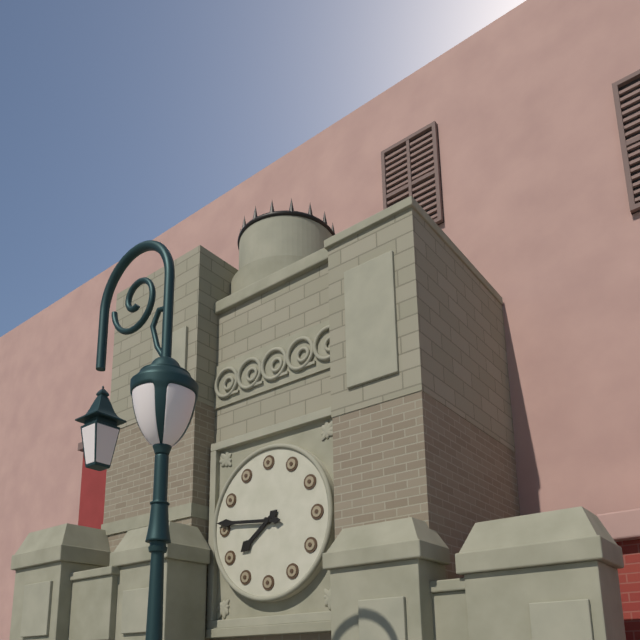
7:46
